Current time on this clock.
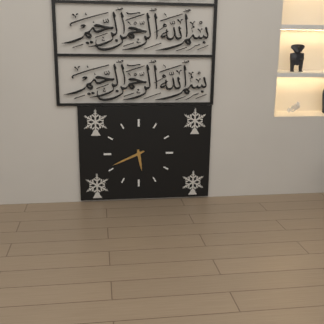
5:41
